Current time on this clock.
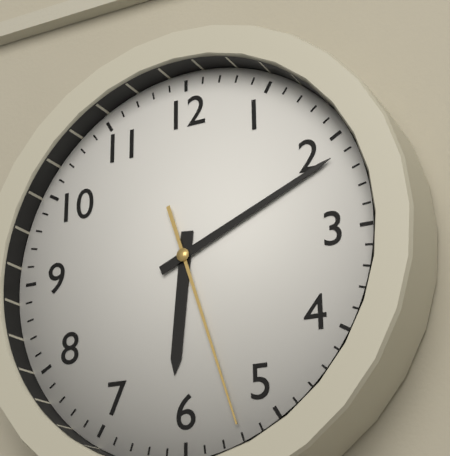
6:11:27
